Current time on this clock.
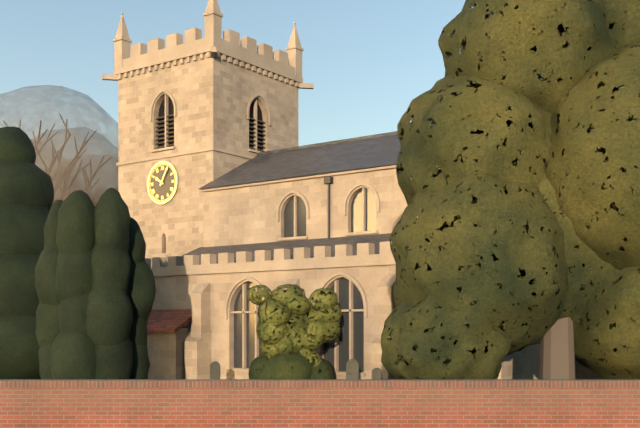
10:05
